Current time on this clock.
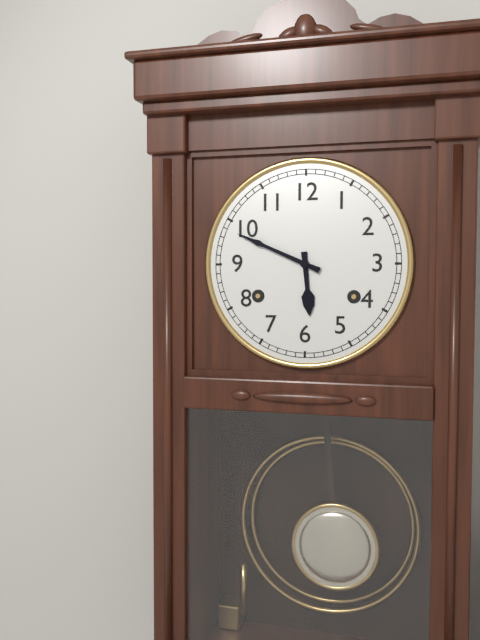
5:49
